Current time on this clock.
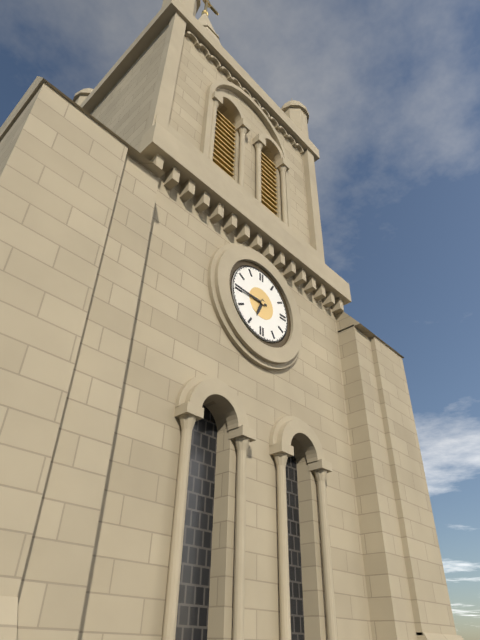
6:45
